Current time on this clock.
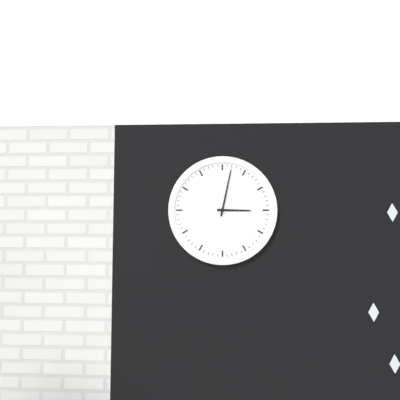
3:02
